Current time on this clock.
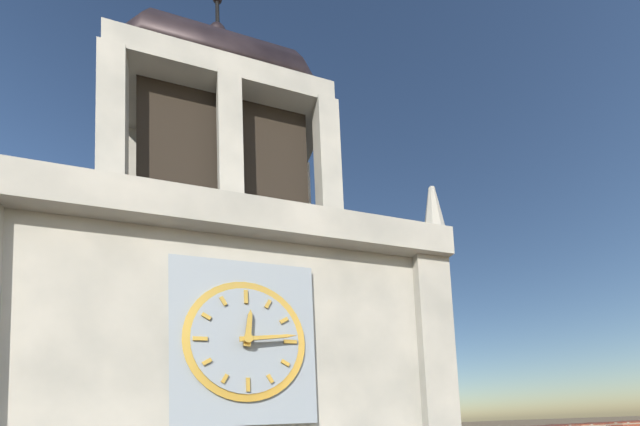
12:14
